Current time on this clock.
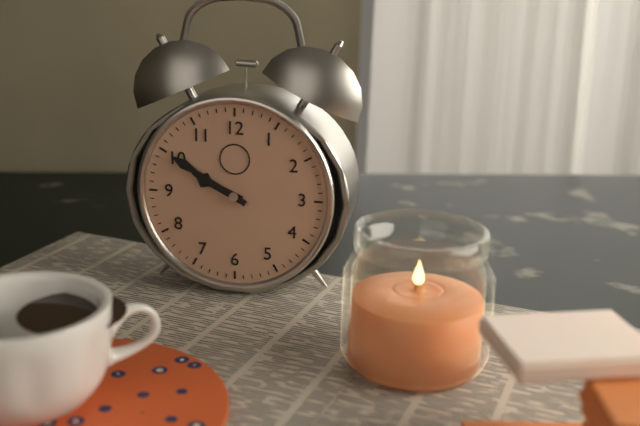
9:50
